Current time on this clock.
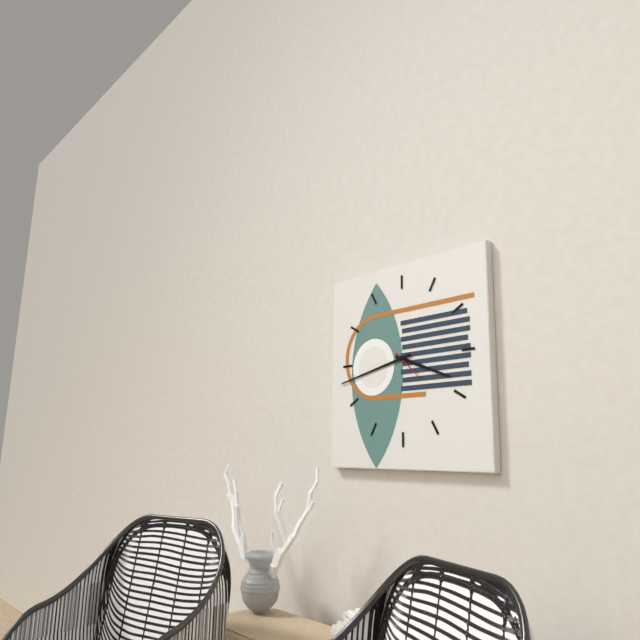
3:43
